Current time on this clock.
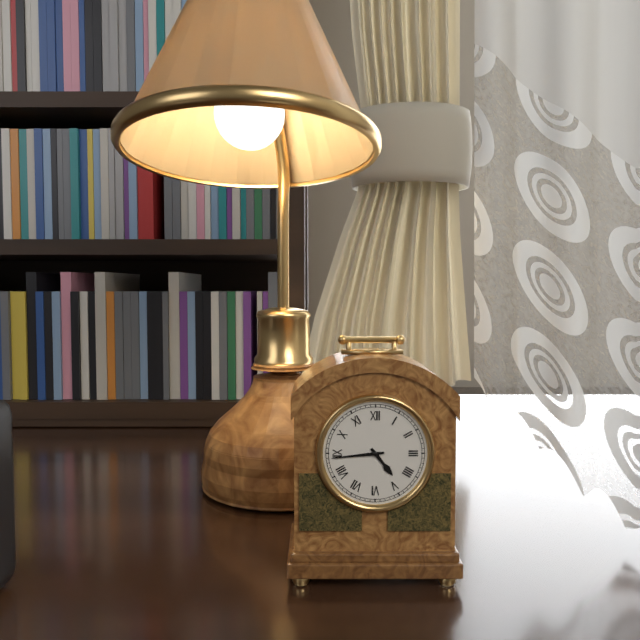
4:44
